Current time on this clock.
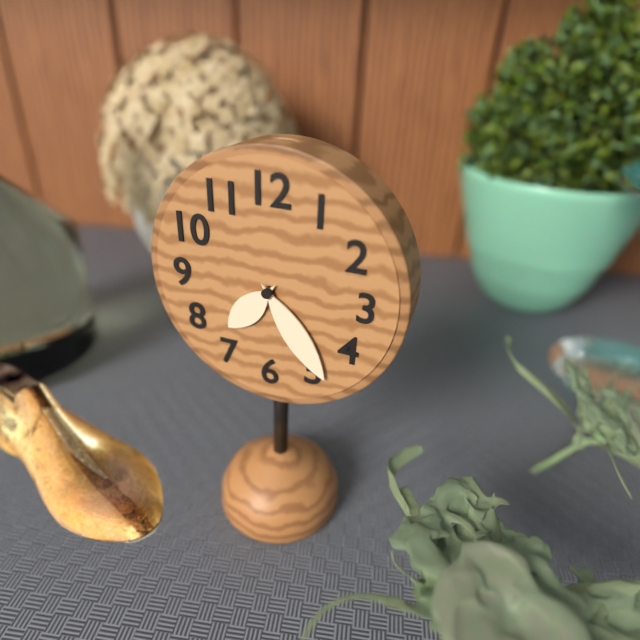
7:24
